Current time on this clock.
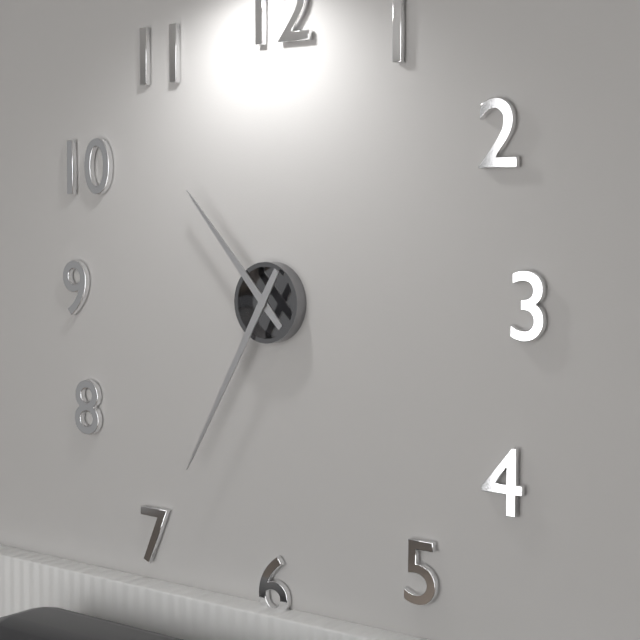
10:35
